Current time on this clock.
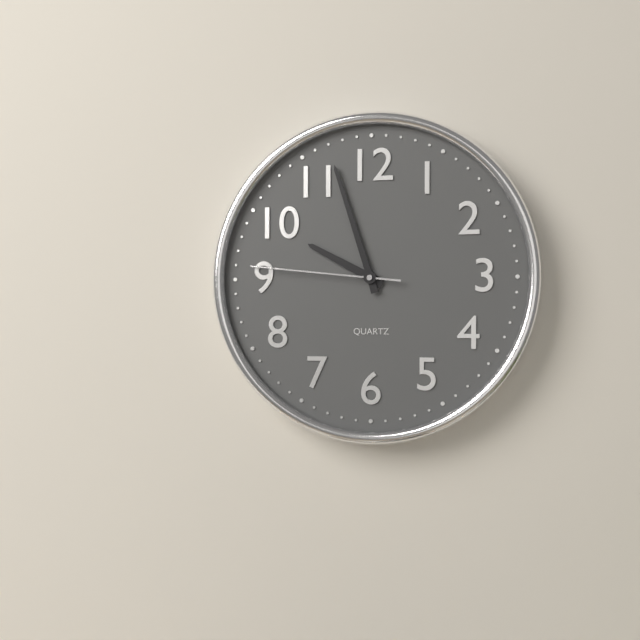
9:57:46
